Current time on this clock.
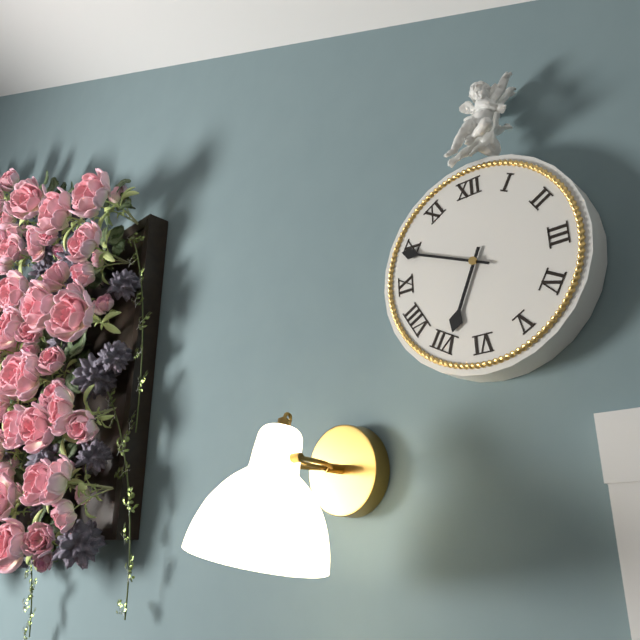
6:49
